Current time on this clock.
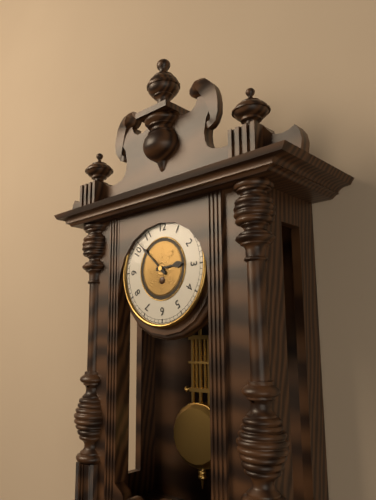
2:52
